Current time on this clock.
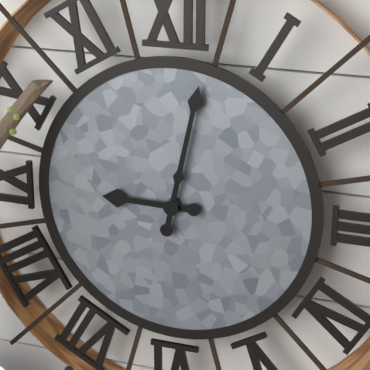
9:02
